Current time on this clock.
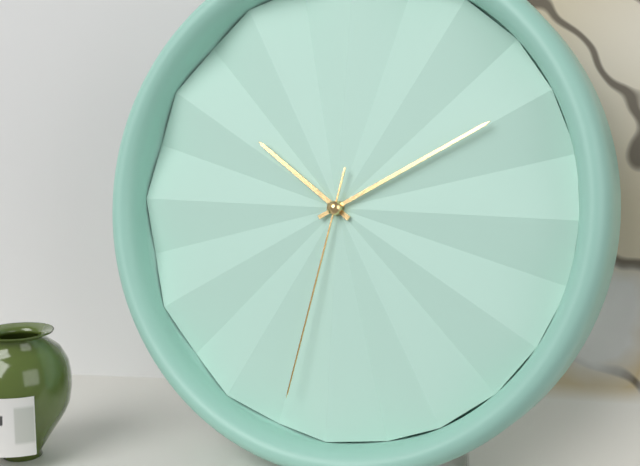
10:10:32
